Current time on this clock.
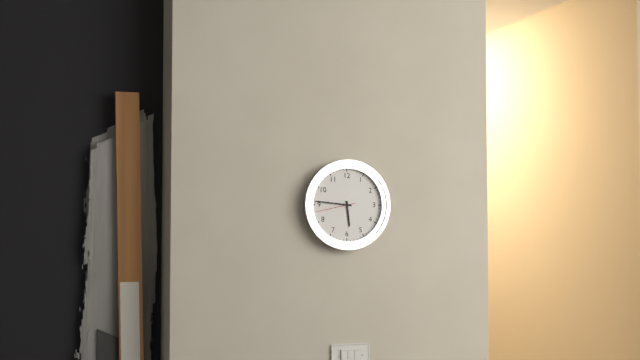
5:46
